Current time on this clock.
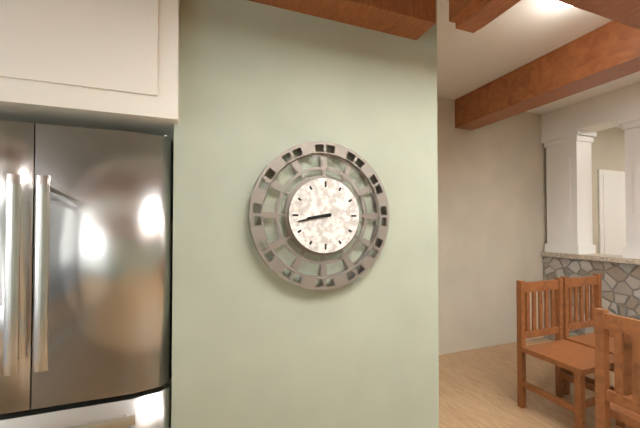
8:43
